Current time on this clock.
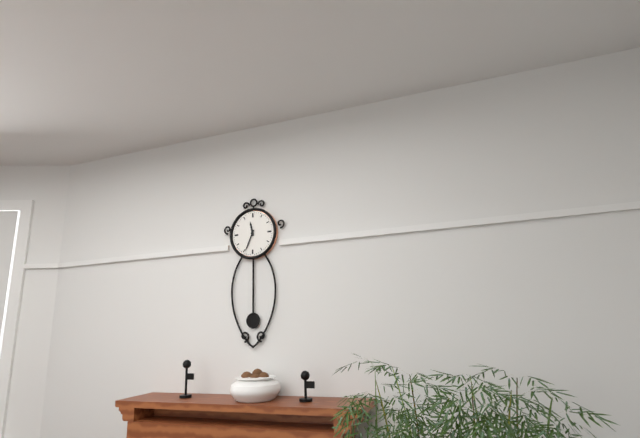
11:34
